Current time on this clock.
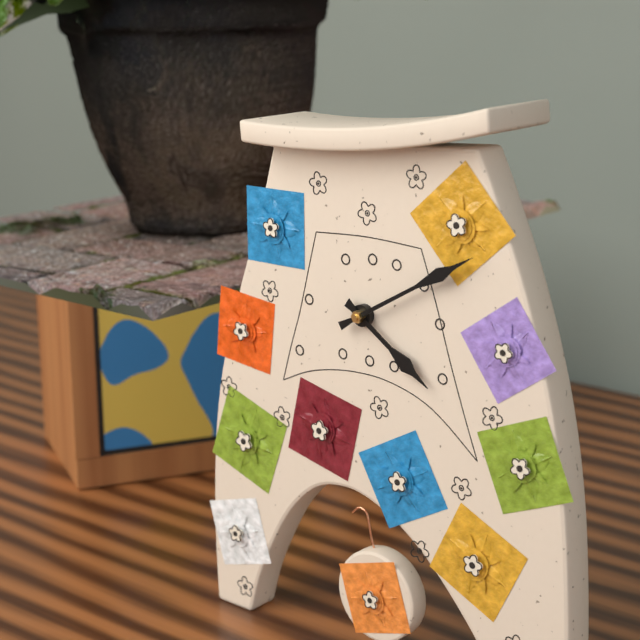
4:10
